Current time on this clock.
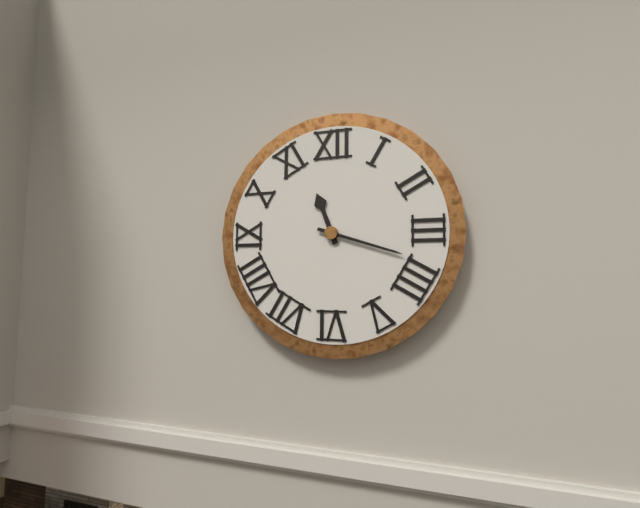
11:18
